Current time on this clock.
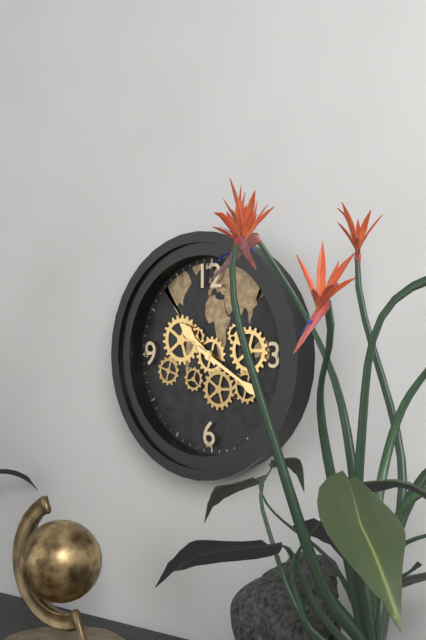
10:20
